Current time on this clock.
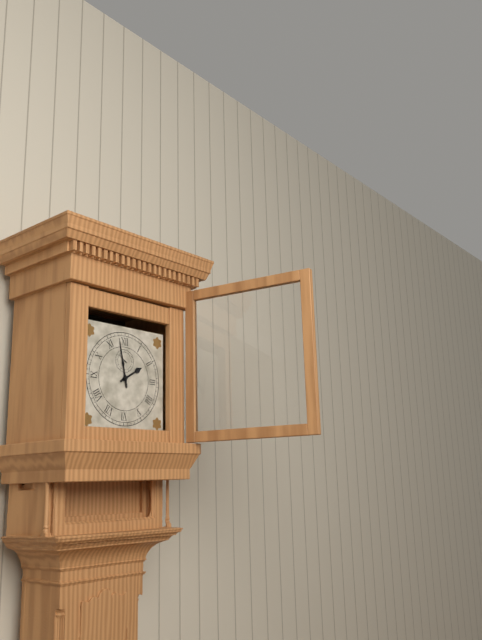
1:58
